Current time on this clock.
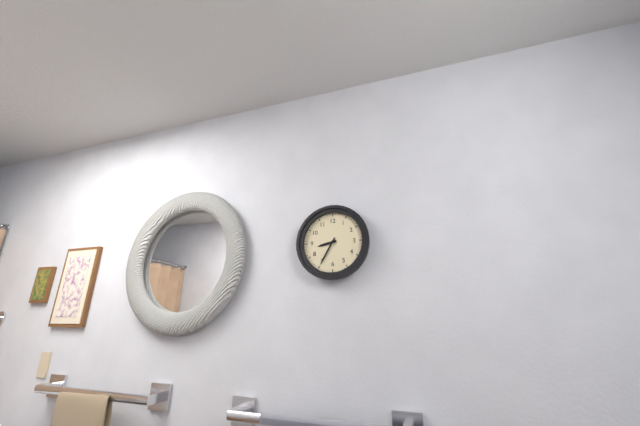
8:35
